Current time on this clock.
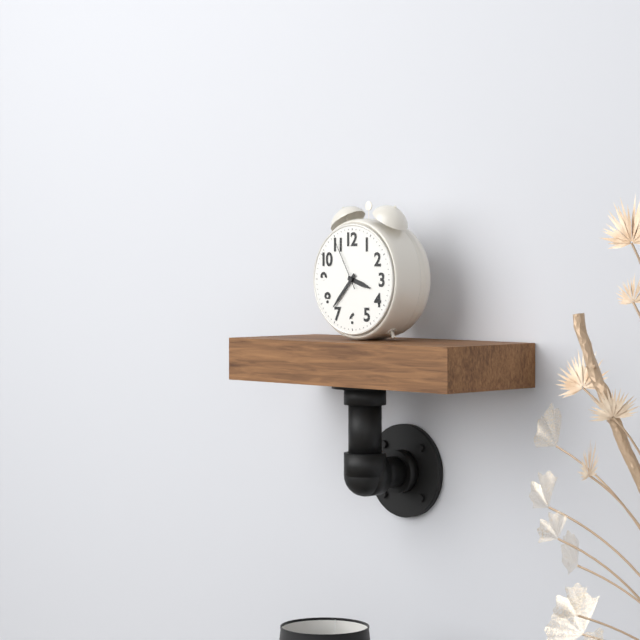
3:37:55
